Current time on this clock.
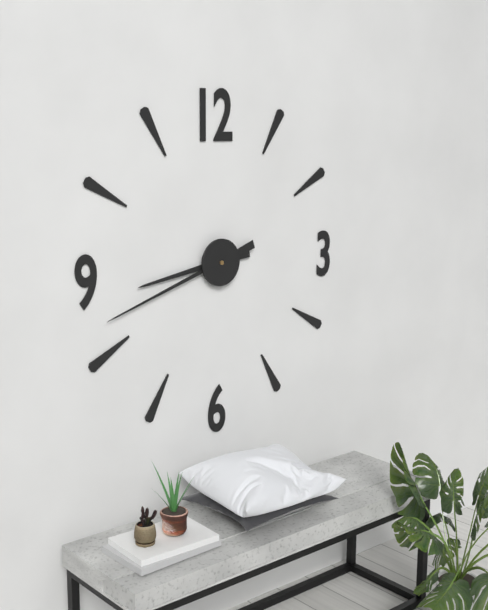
8:42
